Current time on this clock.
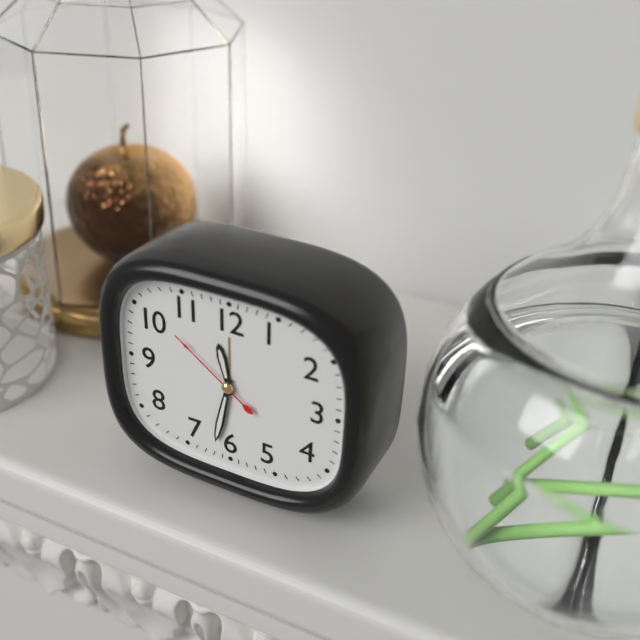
11:32:51
